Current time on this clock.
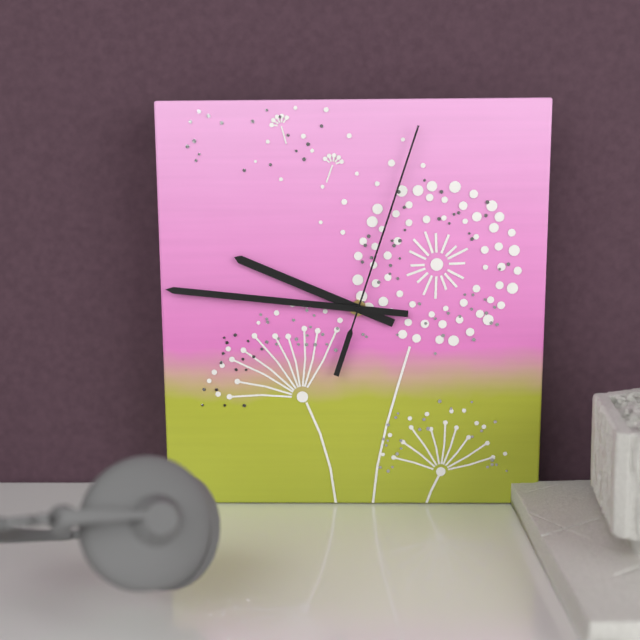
9:46:03
